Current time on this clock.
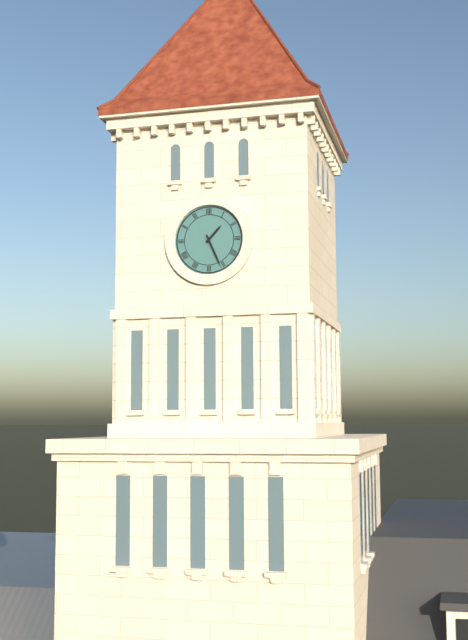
1:26
